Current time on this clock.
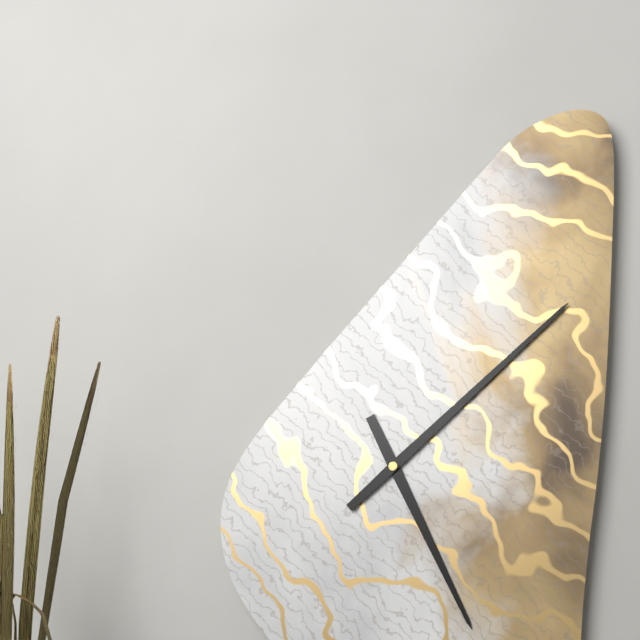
5:08
